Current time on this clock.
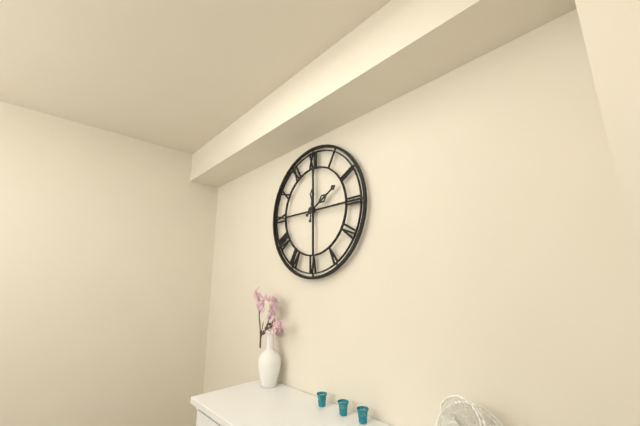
2:01
